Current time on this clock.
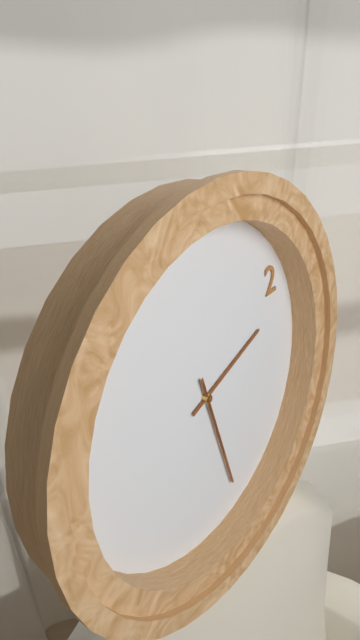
2:28:28
